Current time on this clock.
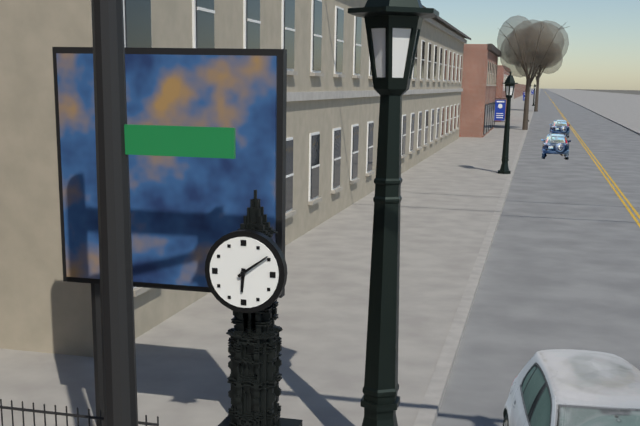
6:09
